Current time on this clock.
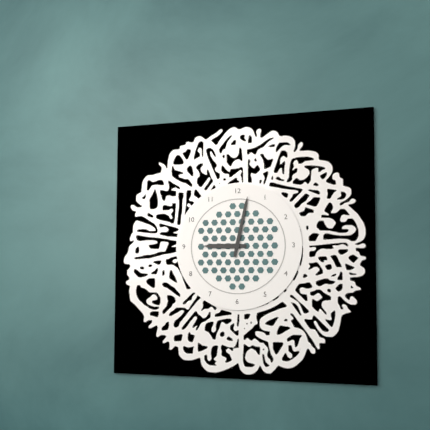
9:02
